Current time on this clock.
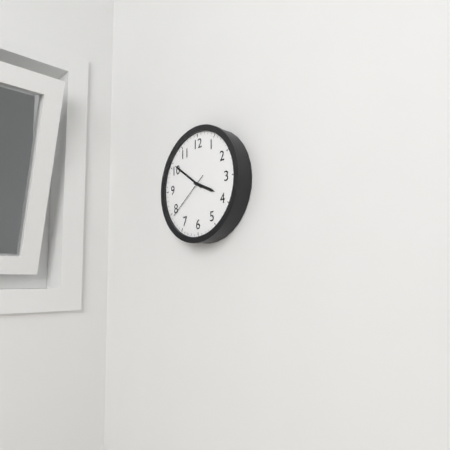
3:51
